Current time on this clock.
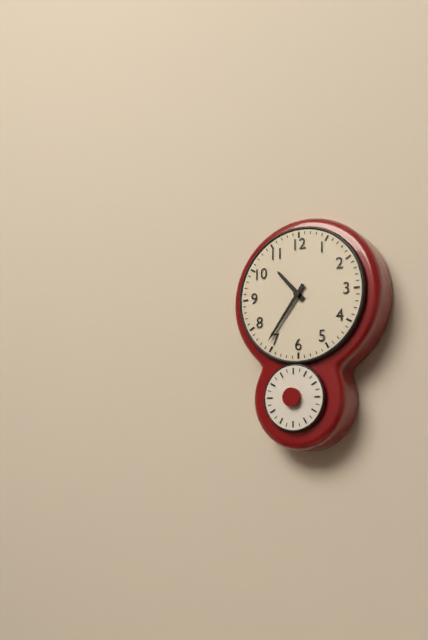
10:36
